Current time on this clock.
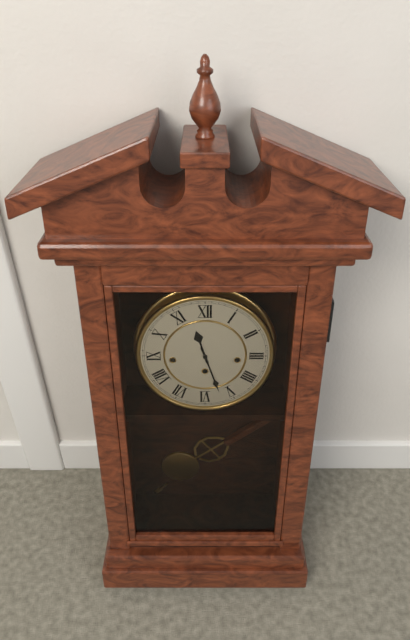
11:27
